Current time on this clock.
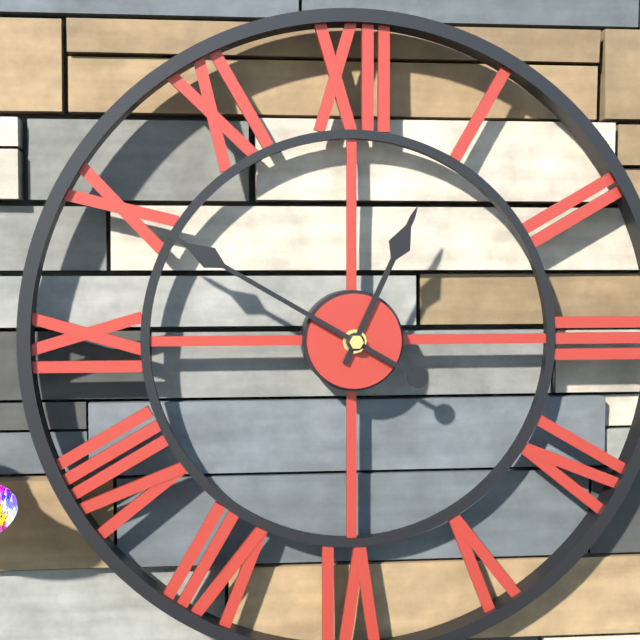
12:50
